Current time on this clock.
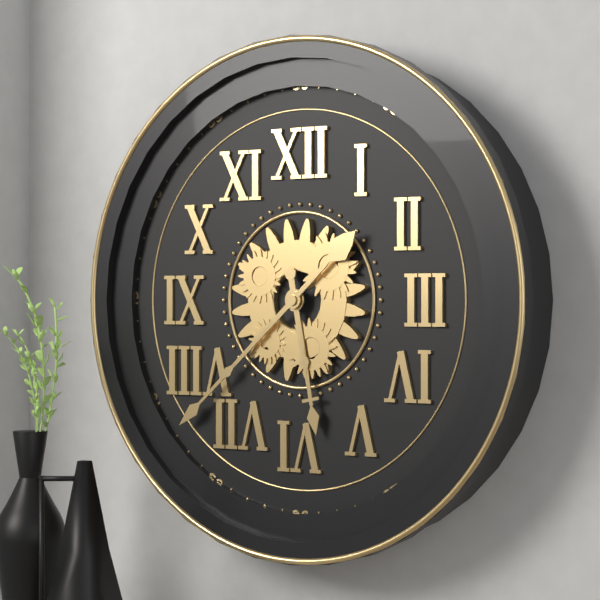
5:38
